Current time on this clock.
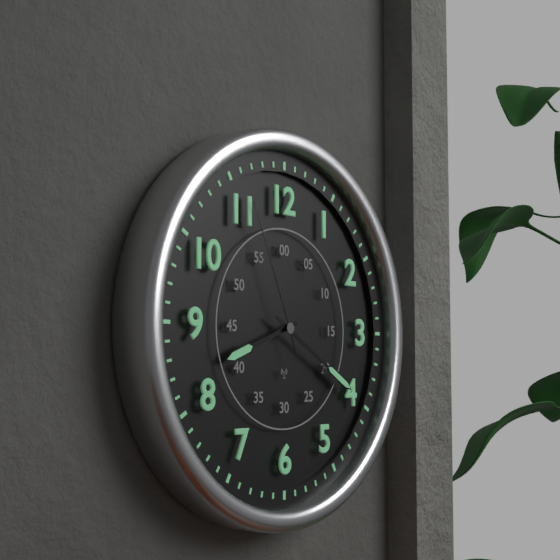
8:20:56
